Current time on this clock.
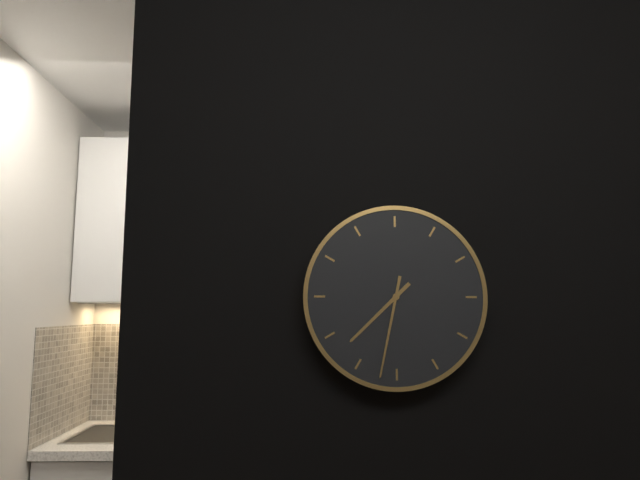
7:32
